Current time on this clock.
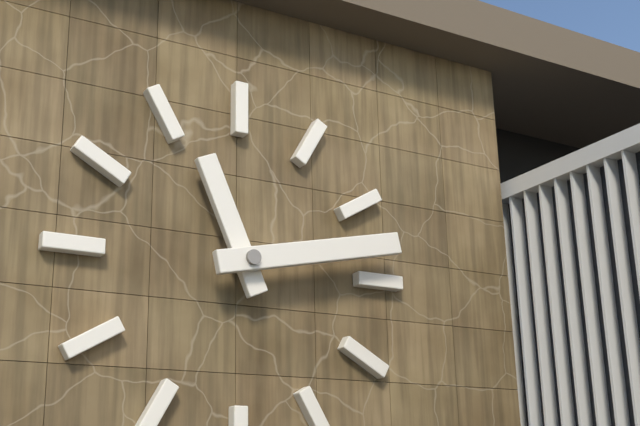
11:13
